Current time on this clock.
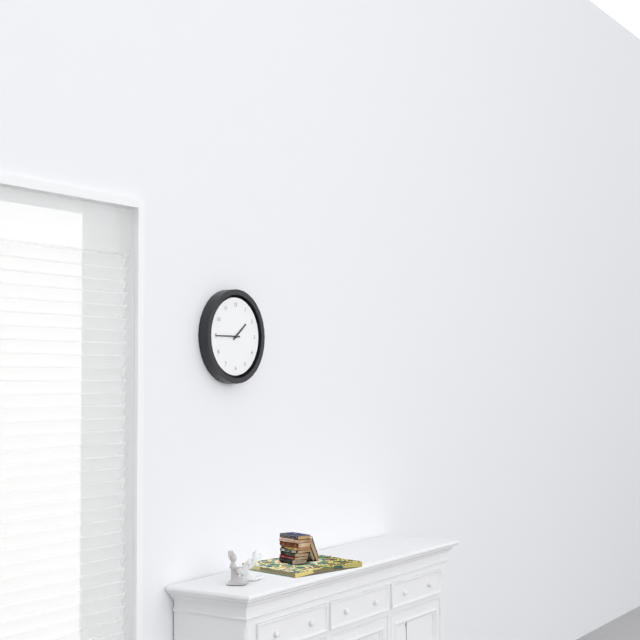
1:45
